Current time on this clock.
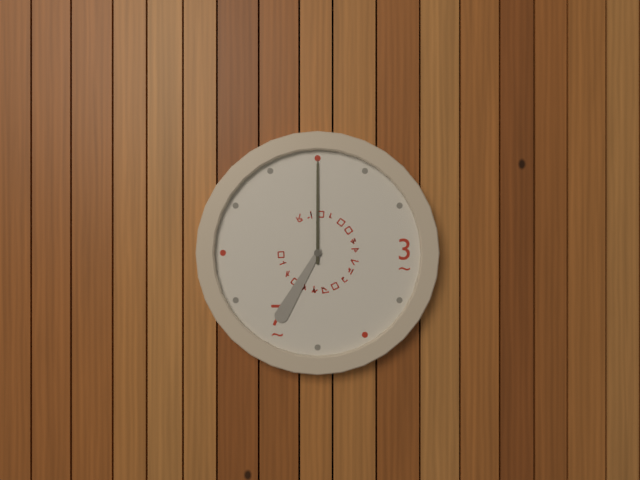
7:00
